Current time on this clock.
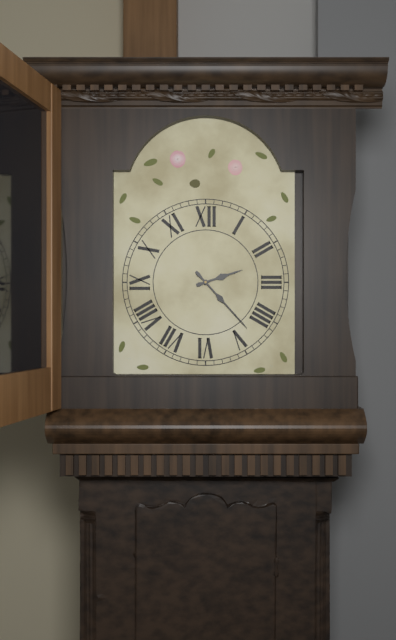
2:23
